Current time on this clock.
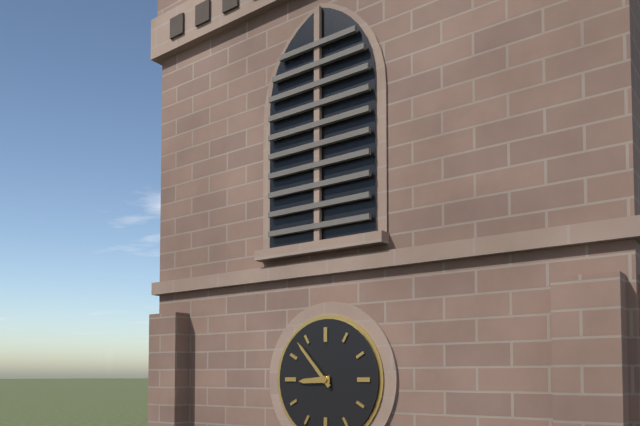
8:53
